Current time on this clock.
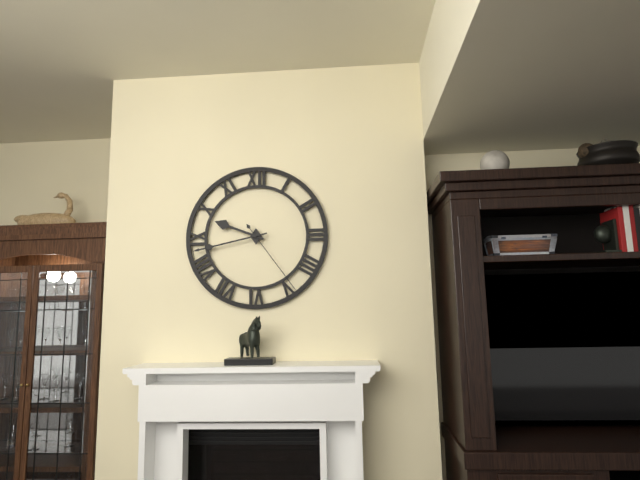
9:43:24
